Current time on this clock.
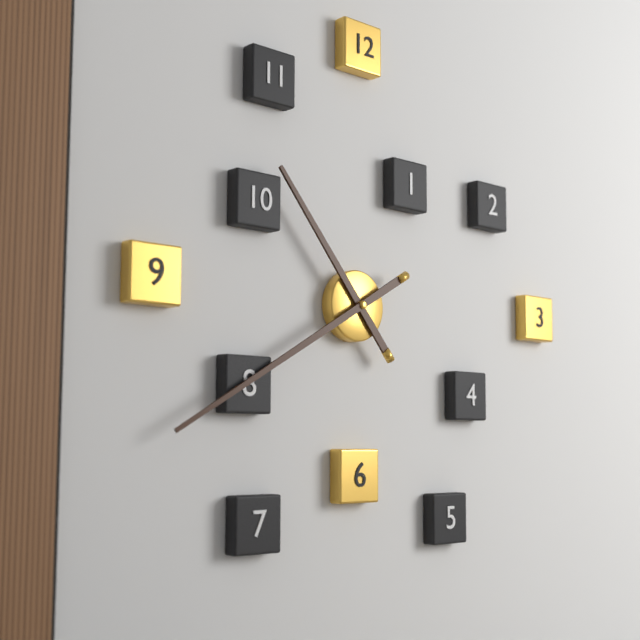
10:40
